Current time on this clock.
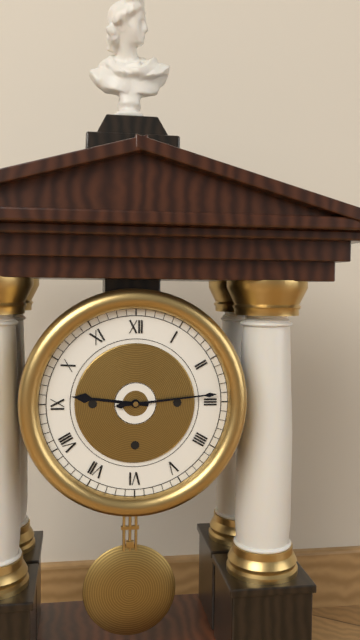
9:14
